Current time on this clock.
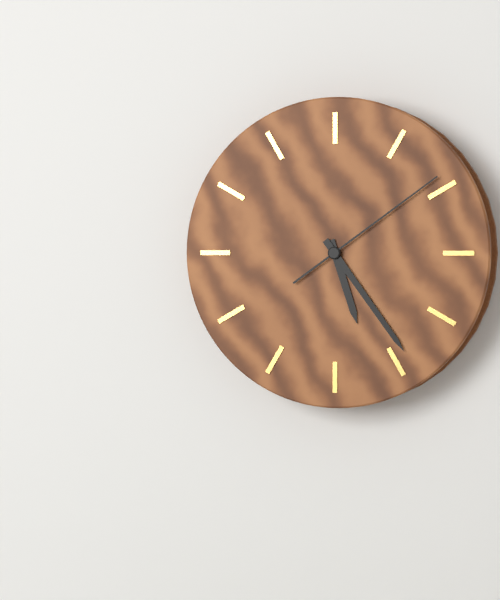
5:24:09
